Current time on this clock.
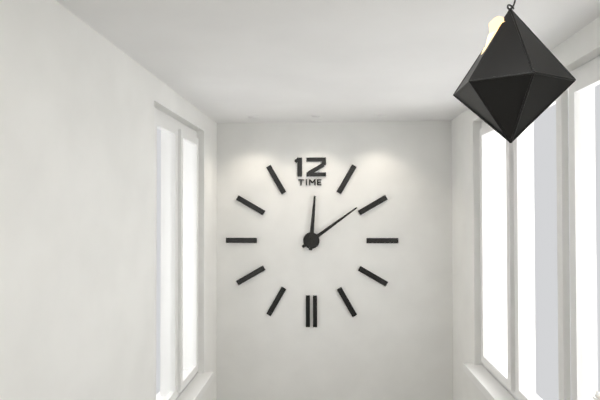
12:09
